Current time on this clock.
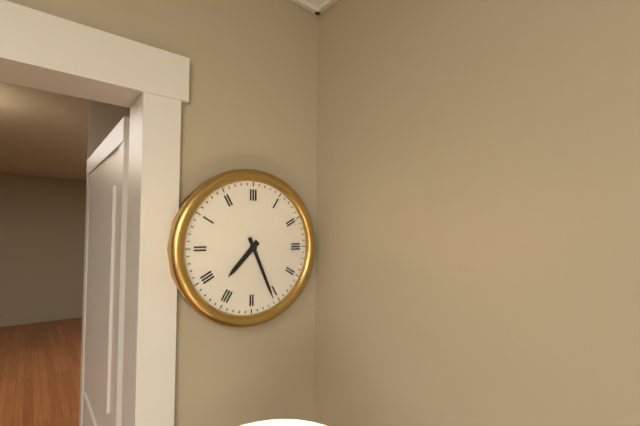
7:26
